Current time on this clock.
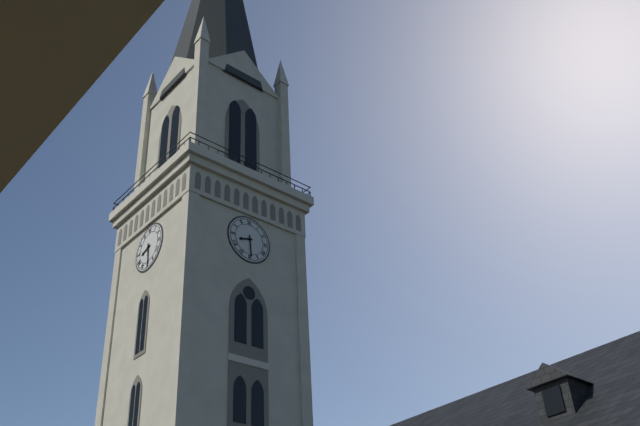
8:29
